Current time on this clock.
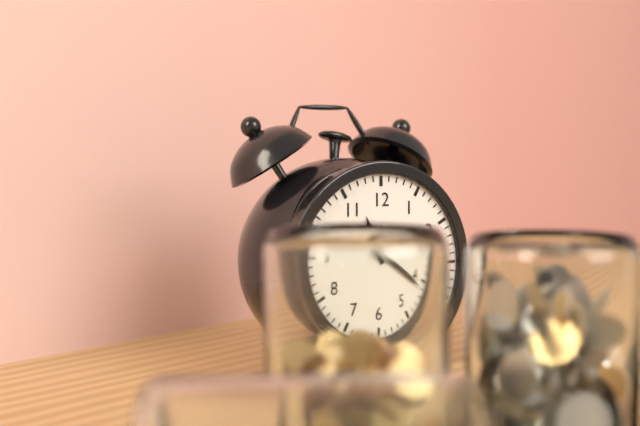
11:21
